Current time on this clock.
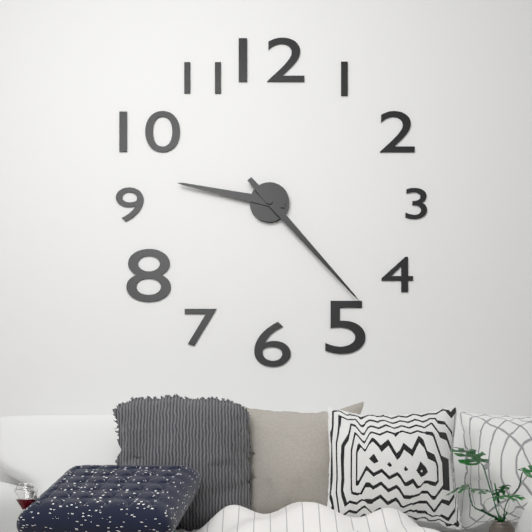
9:23
